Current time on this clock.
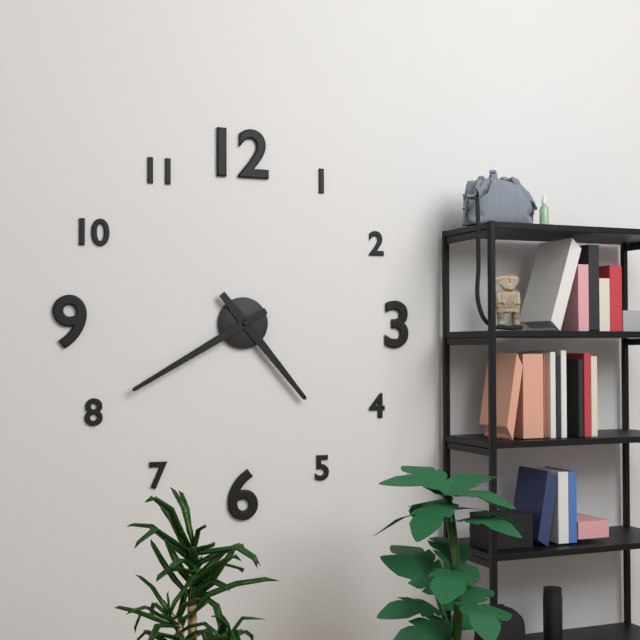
4:40
